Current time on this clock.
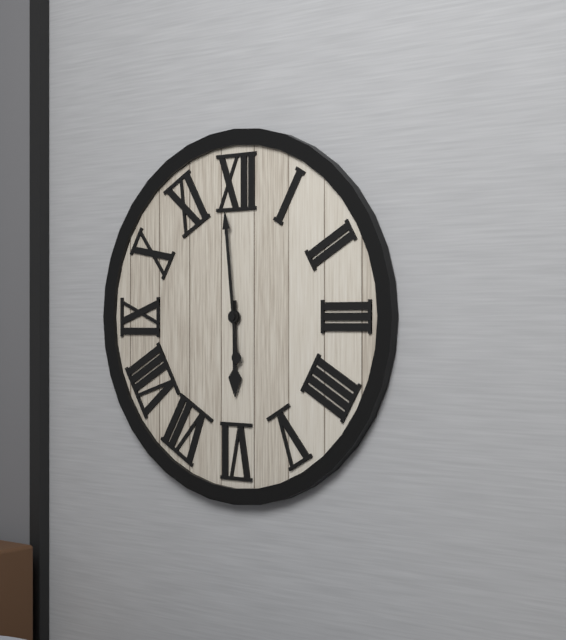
5:59
